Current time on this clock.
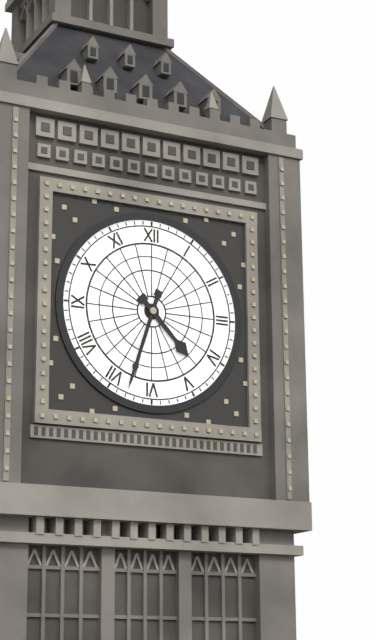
4:33
